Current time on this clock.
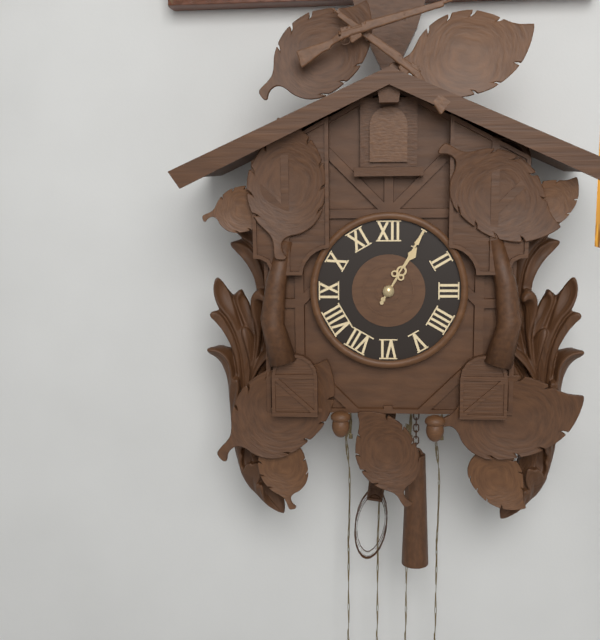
1:05
